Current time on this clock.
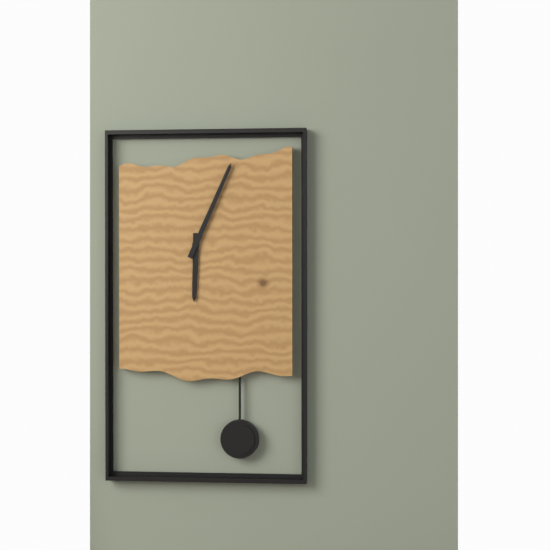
6:04
